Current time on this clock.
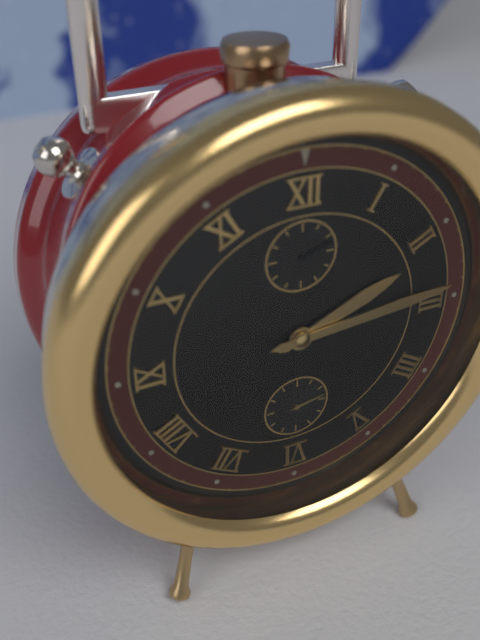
2:14:13
